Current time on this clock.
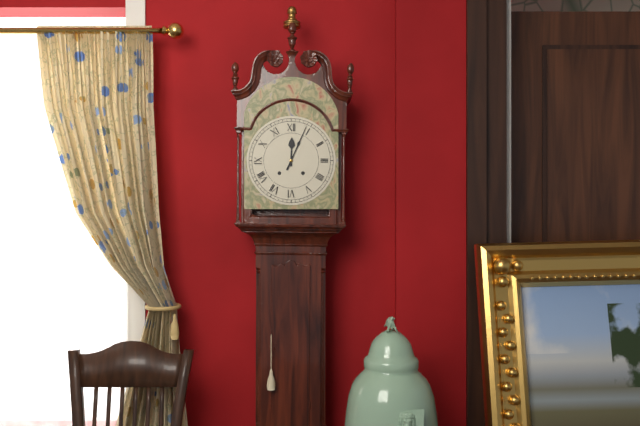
12:04
